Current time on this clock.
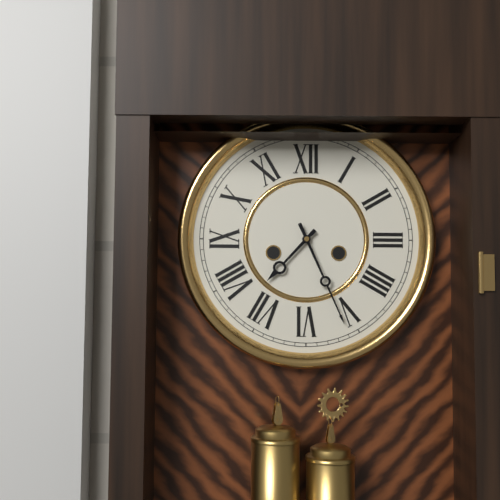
7:26
